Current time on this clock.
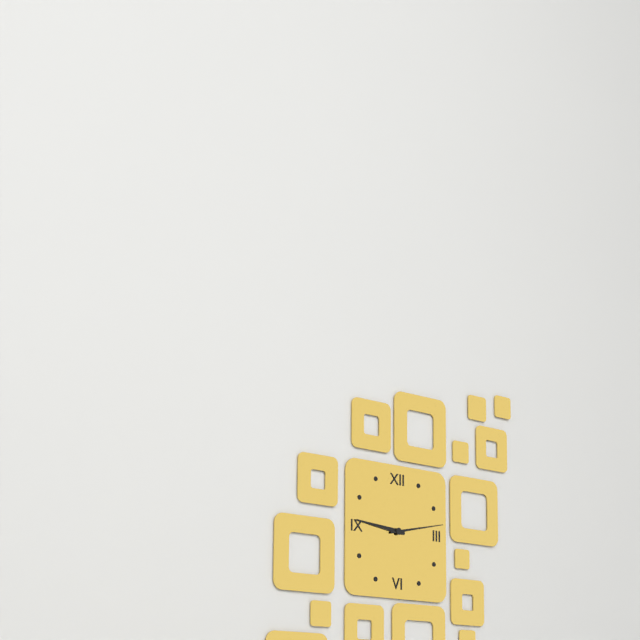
9:13
